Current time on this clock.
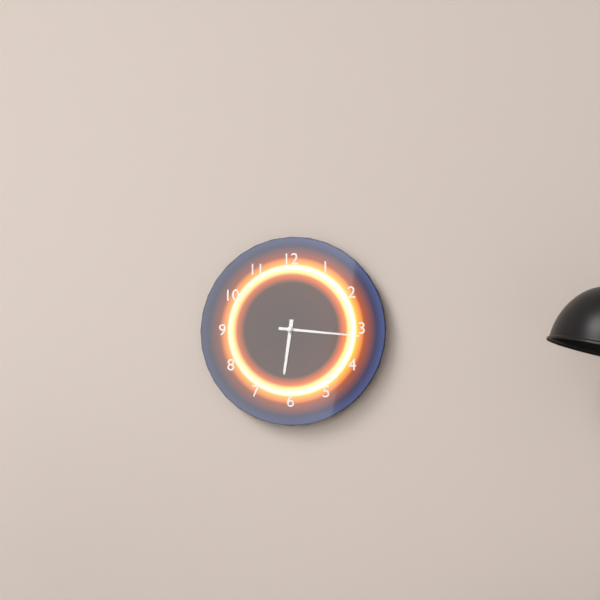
6:16
